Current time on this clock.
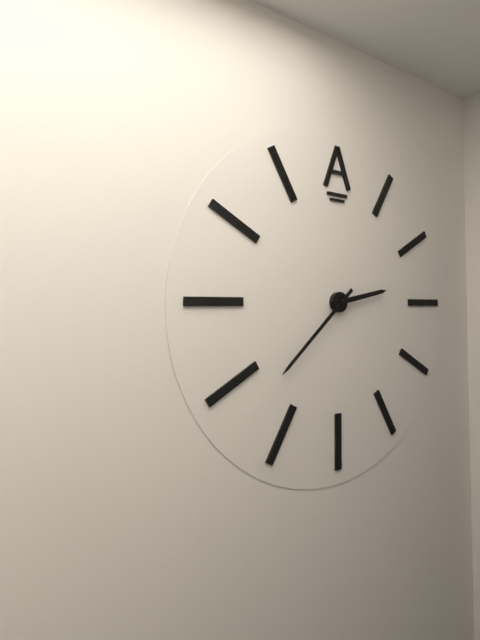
2:38
